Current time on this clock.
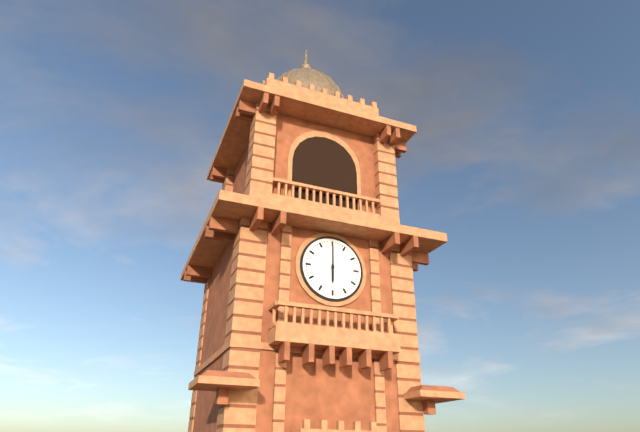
6:00
